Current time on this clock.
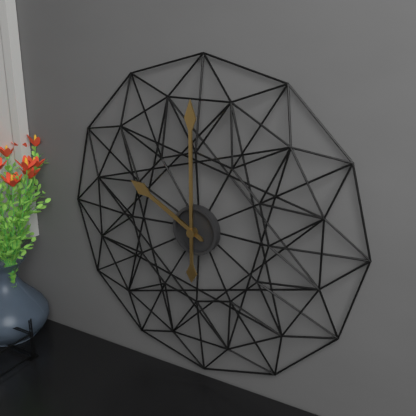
10:00
